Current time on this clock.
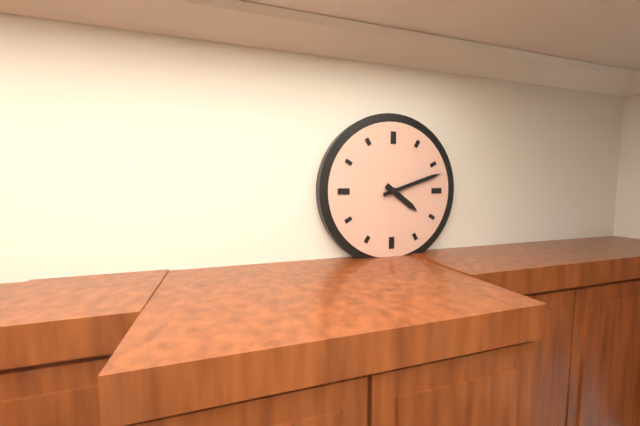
4:12
